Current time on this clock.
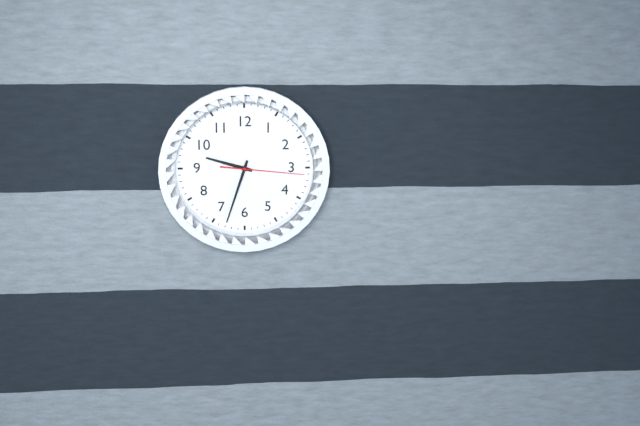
9:33:16
